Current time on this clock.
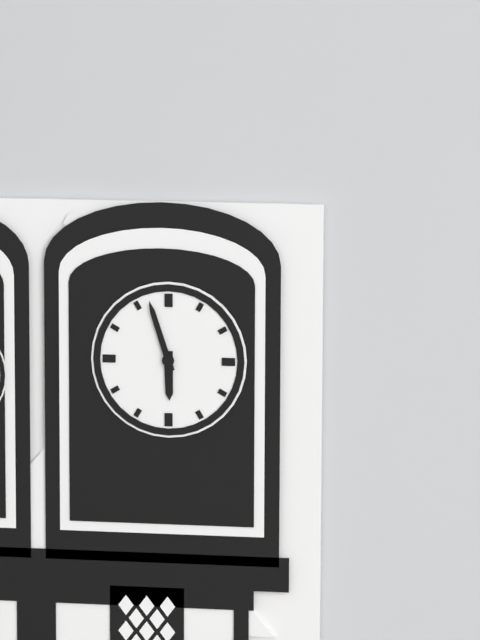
5:57
